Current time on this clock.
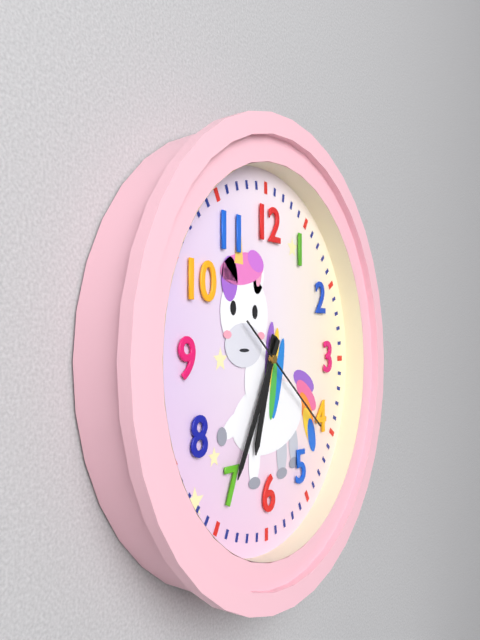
6:35:21
